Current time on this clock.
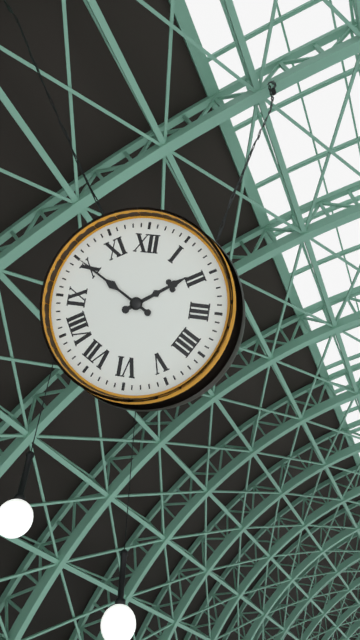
1:50
